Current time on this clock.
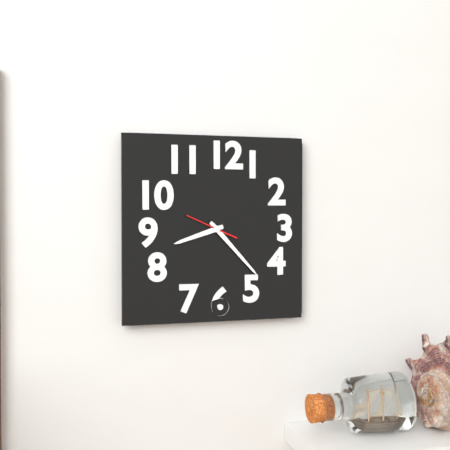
8:23
